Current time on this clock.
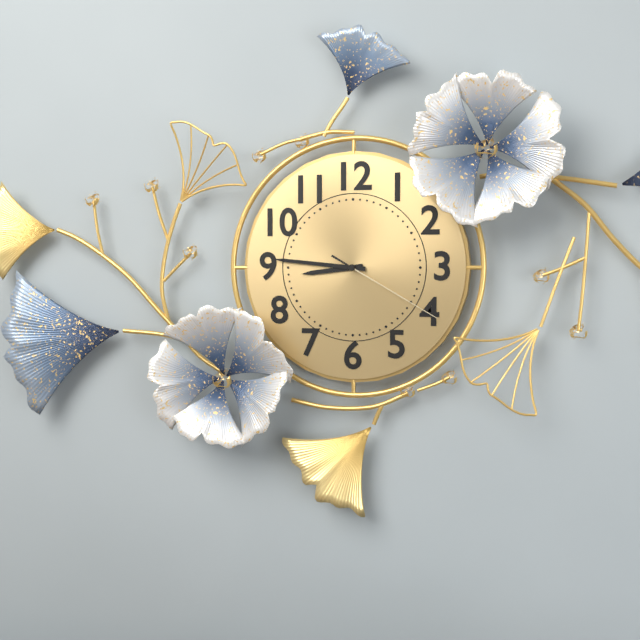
8:46:20
